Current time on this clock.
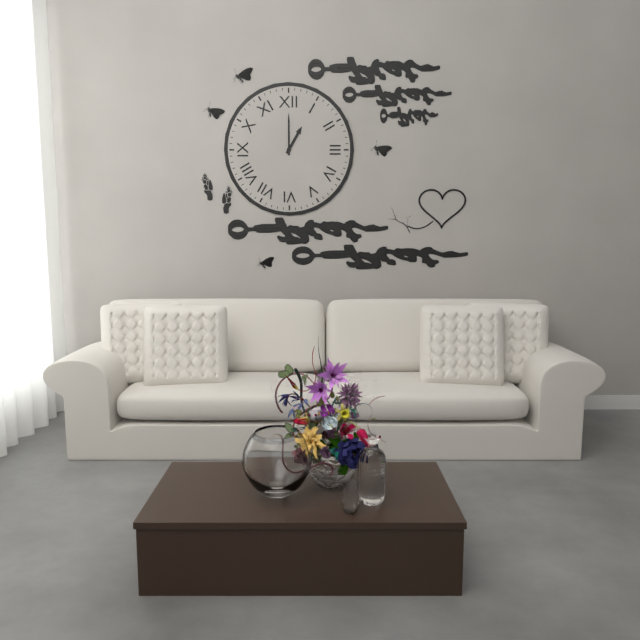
1:00
